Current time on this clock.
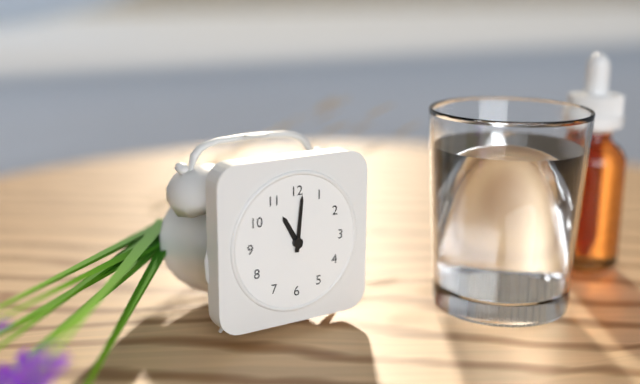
11:01
